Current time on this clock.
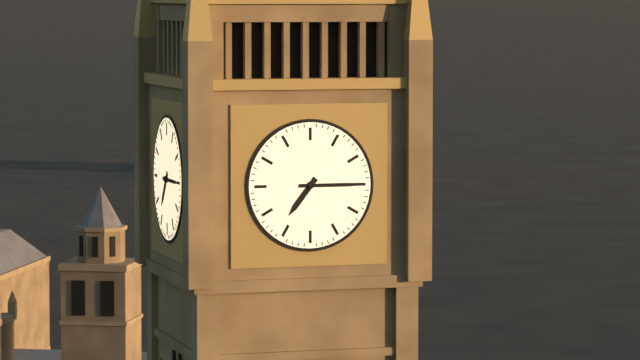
7:15
